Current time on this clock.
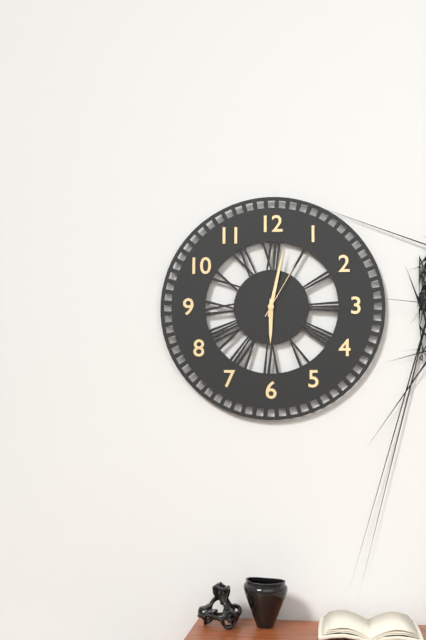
6:02:05
